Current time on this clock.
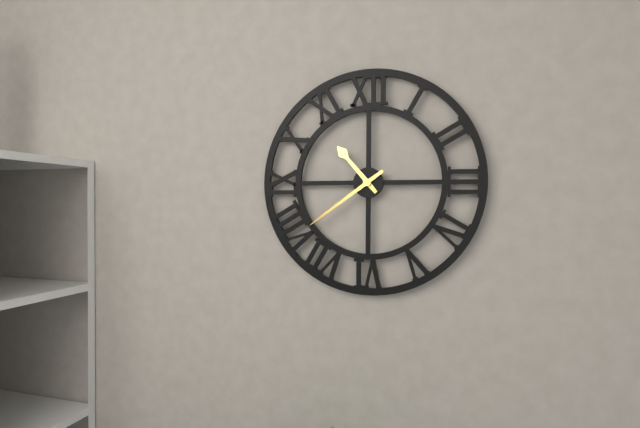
10:39
